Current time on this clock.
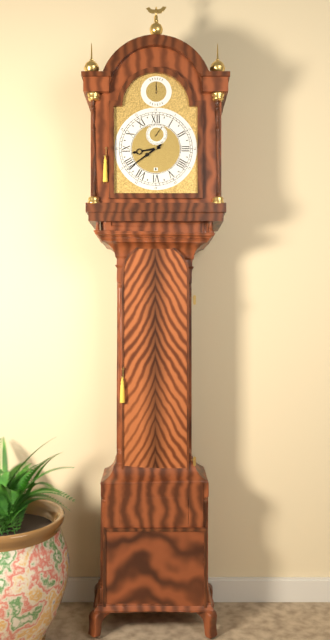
8:39
